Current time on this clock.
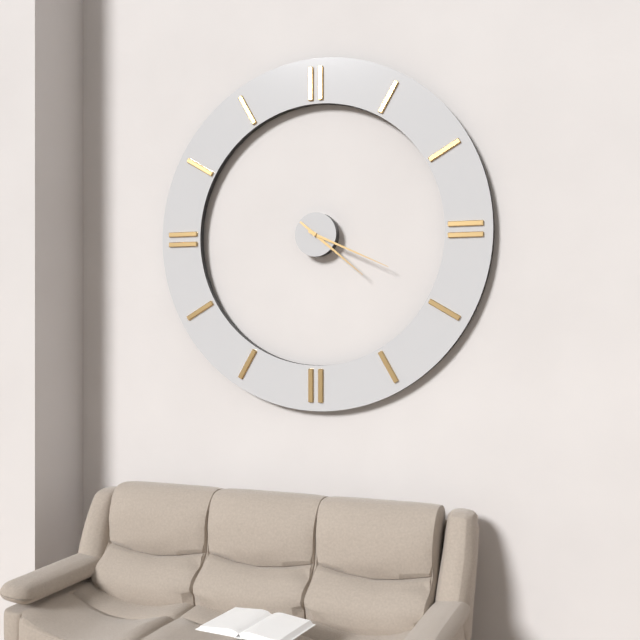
4:19
